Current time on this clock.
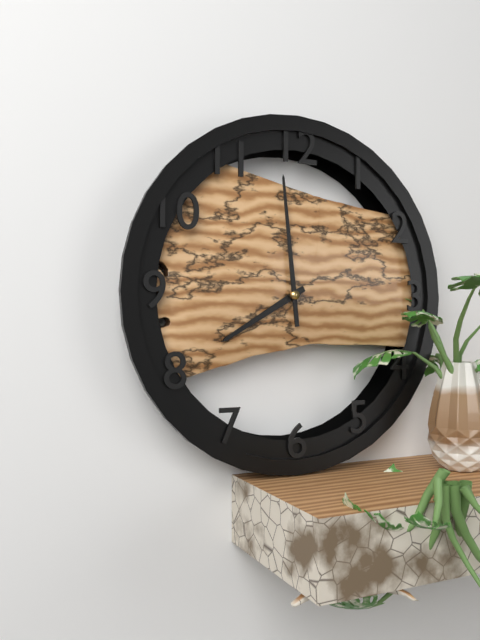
7:59
